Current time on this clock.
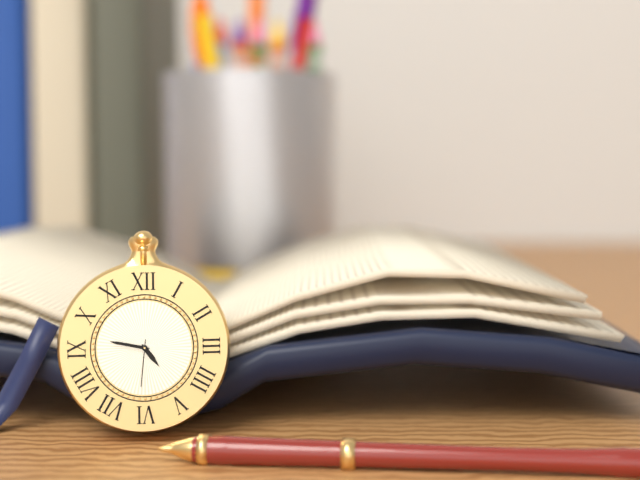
4:47
